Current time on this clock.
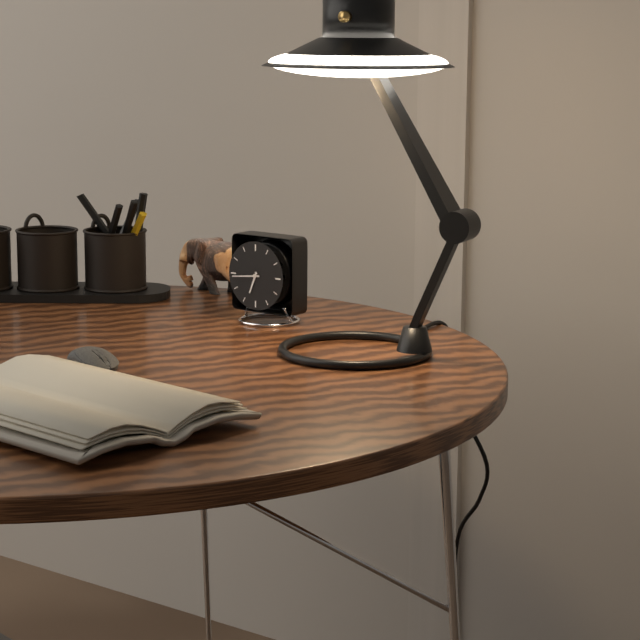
6:44
